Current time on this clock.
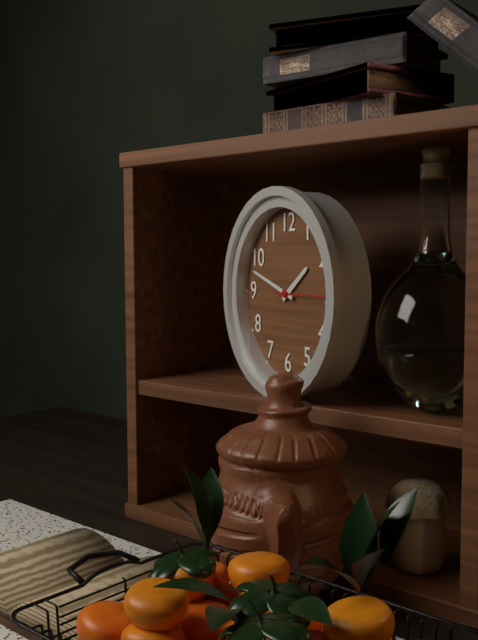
1:48
